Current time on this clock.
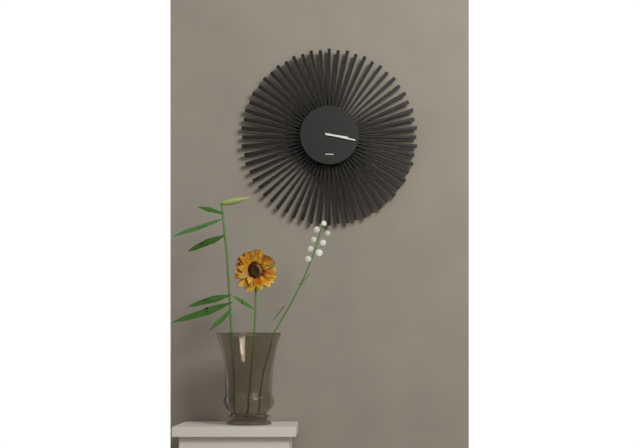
3:17
